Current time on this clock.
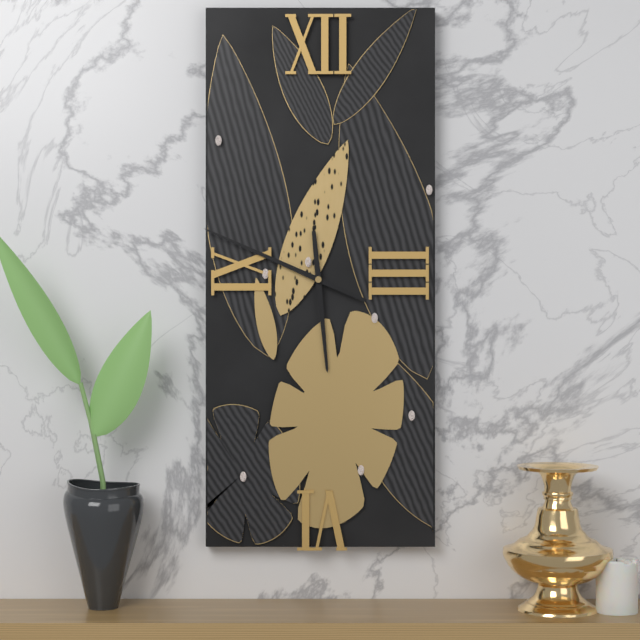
5:49
